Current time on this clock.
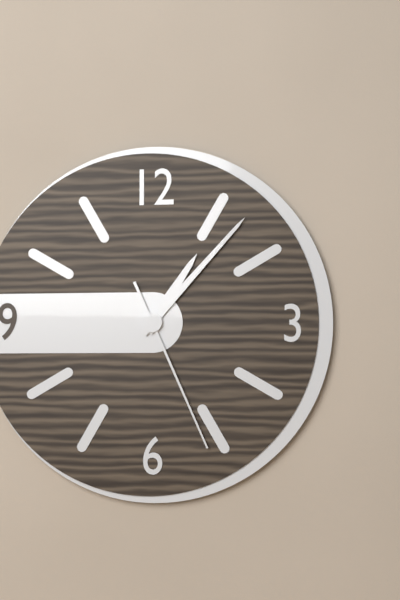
1:07:26
